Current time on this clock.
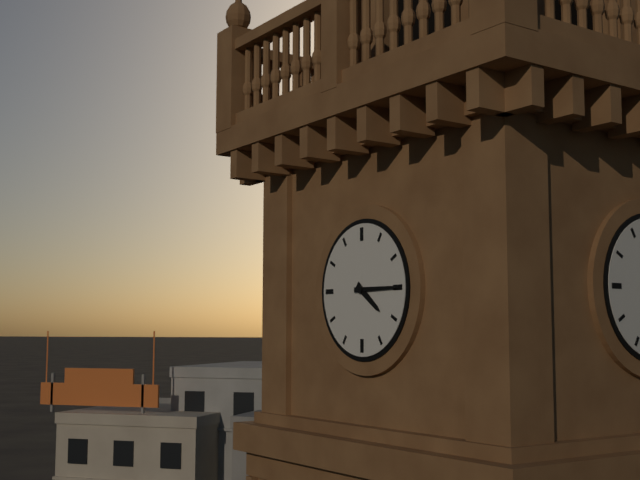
4:15
